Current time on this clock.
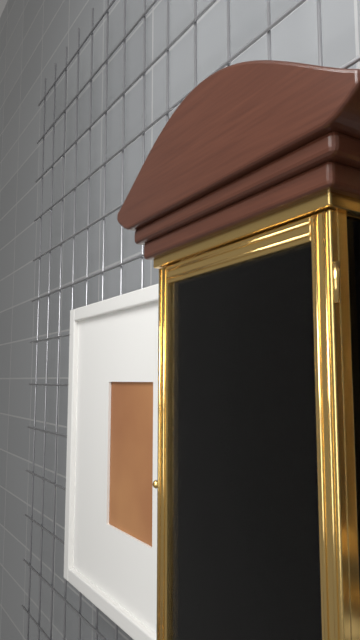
9:14
